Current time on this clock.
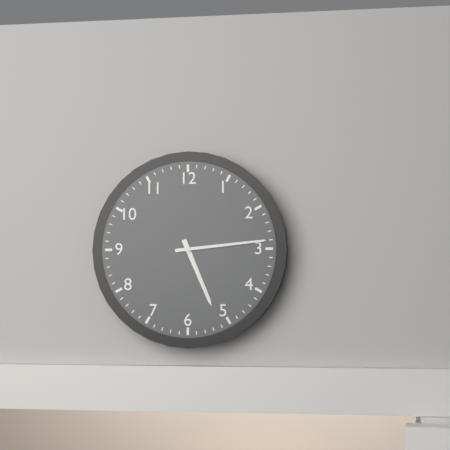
5:14
